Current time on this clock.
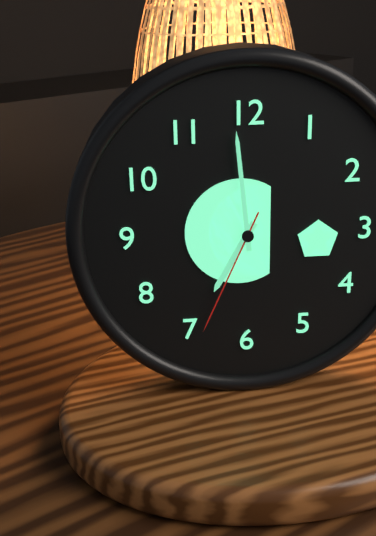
6:59:34
